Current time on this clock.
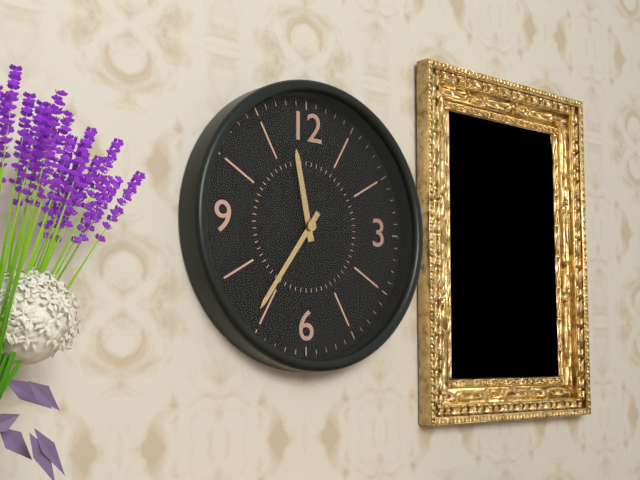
11:36
